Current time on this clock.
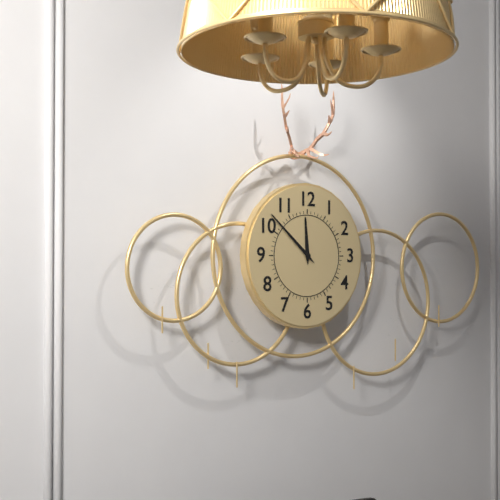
11:52
